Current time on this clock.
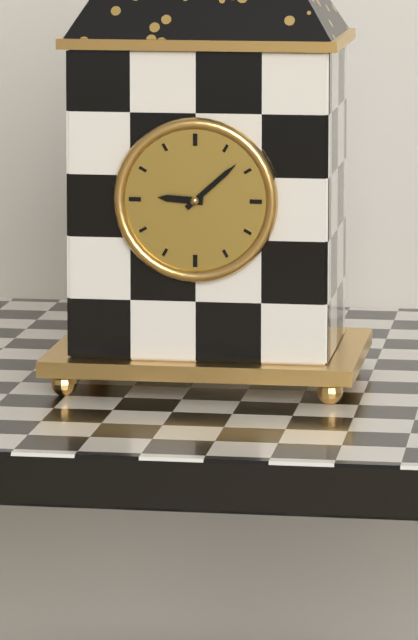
9:08
